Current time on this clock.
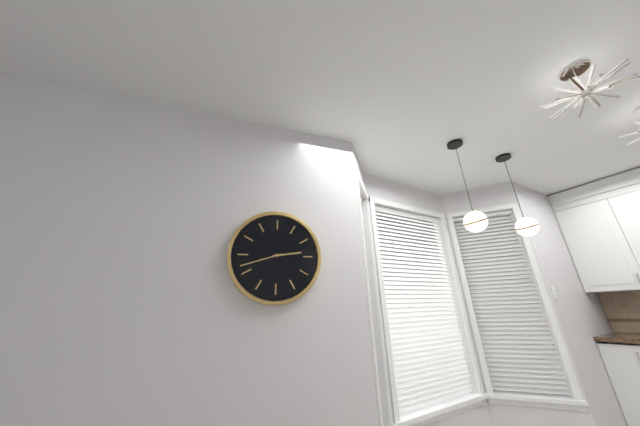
2:42
